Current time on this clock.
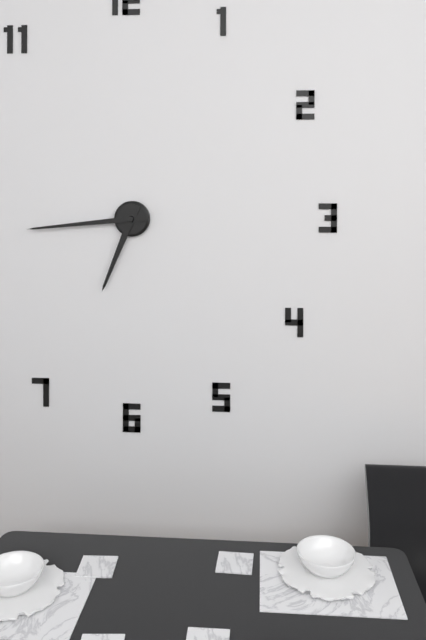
6:44
